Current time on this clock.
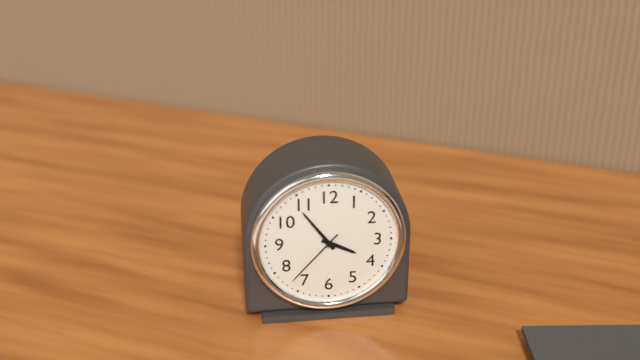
3:54:37
